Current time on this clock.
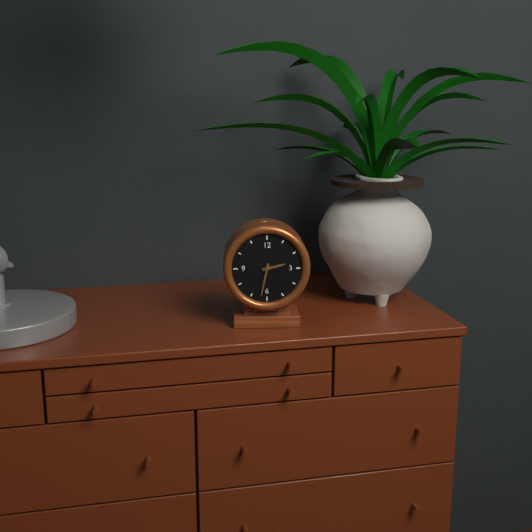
2:32
